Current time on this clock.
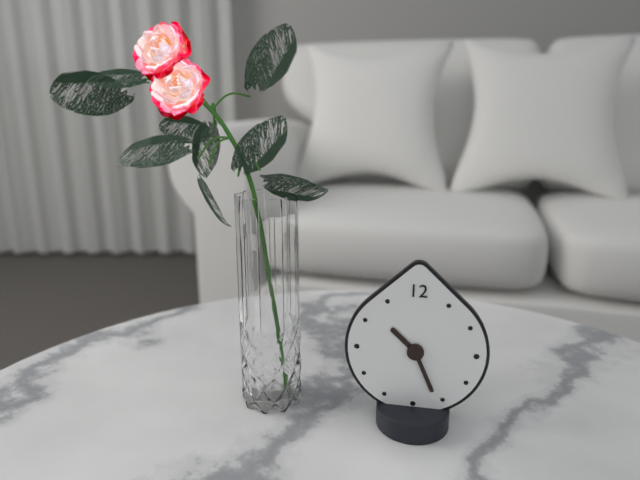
10:26
